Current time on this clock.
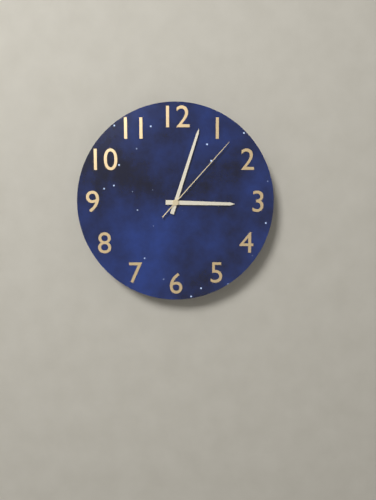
3:03:07
